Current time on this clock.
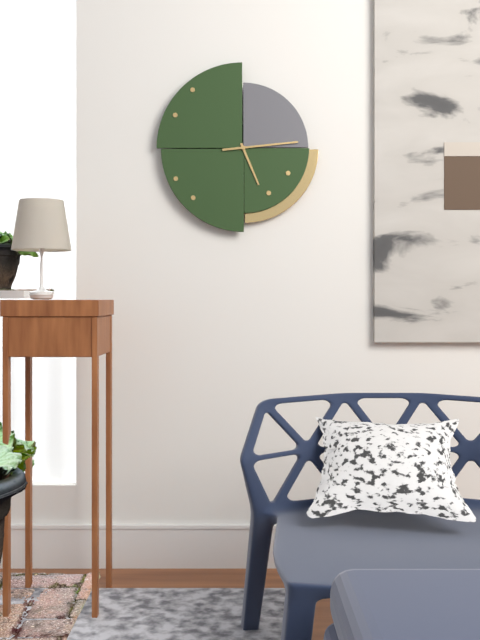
5:14
